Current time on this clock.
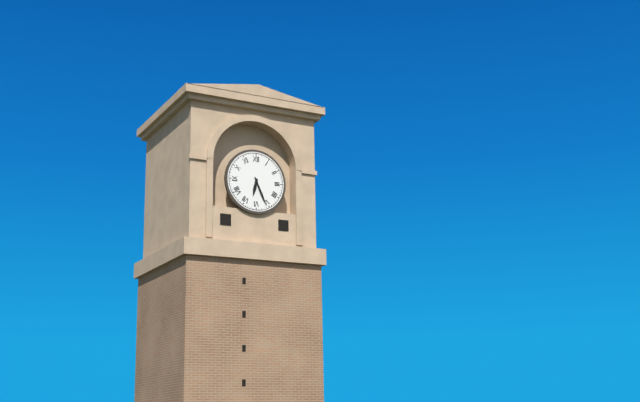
6:26
